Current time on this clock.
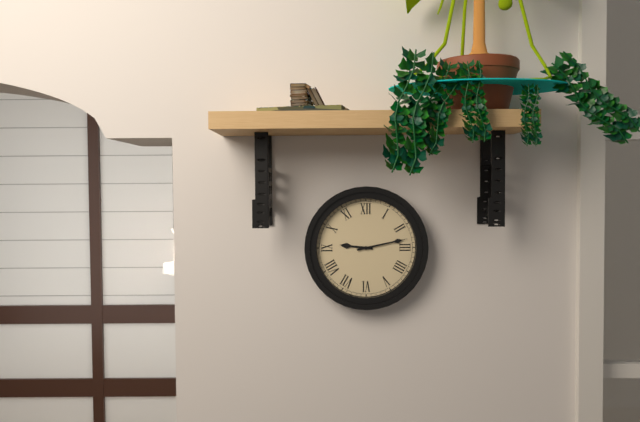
9:13
